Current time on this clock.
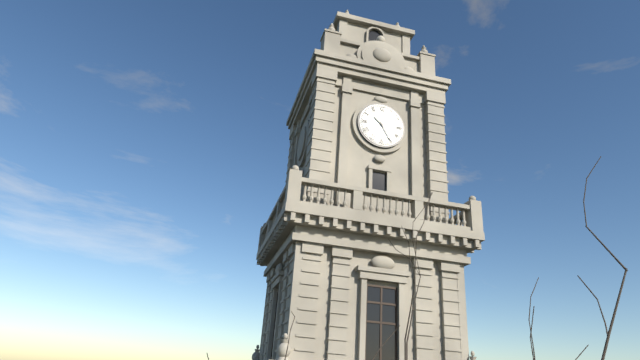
10:25
